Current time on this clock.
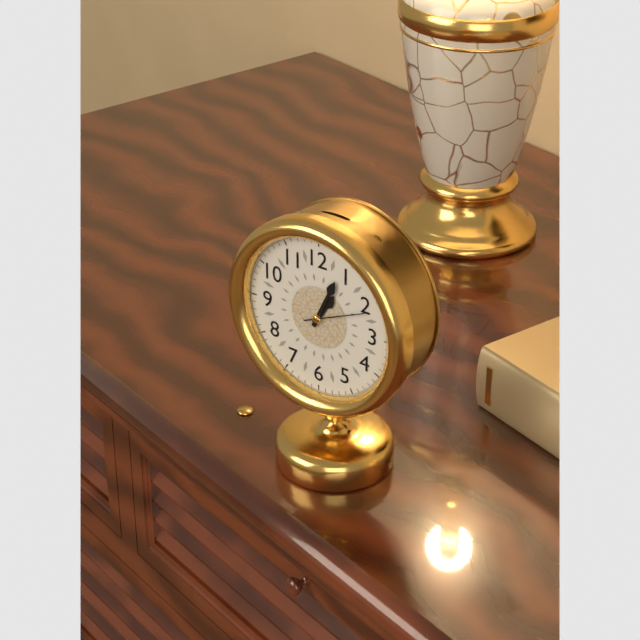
1:04:11
